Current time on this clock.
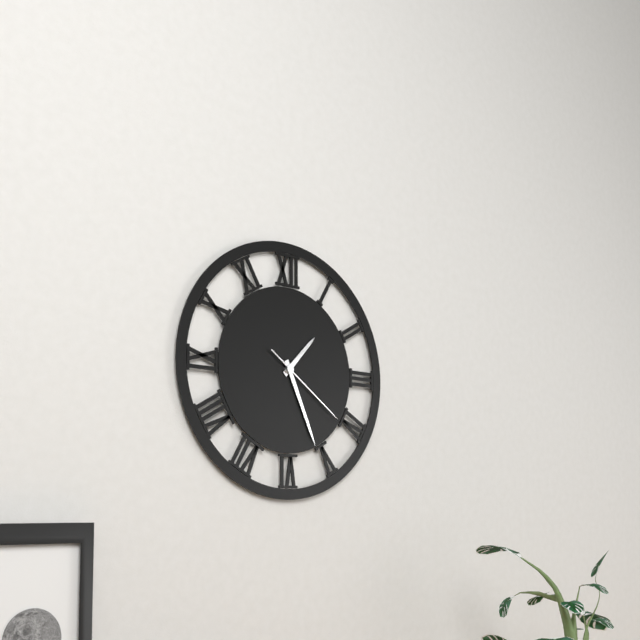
1:26:21
